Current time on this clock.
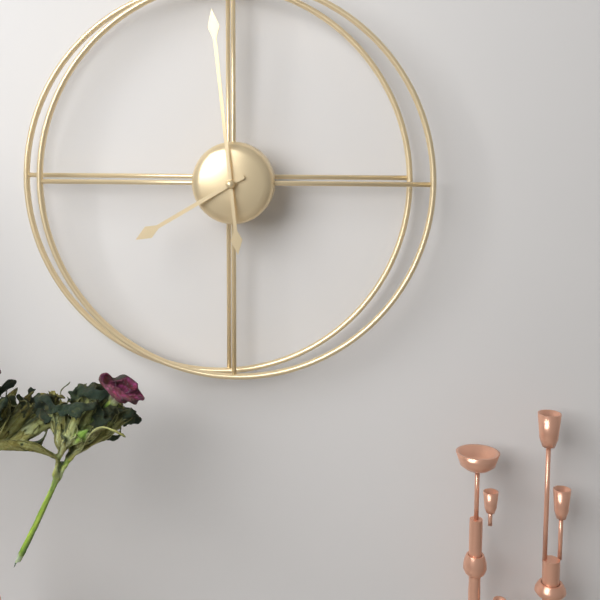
7:59
